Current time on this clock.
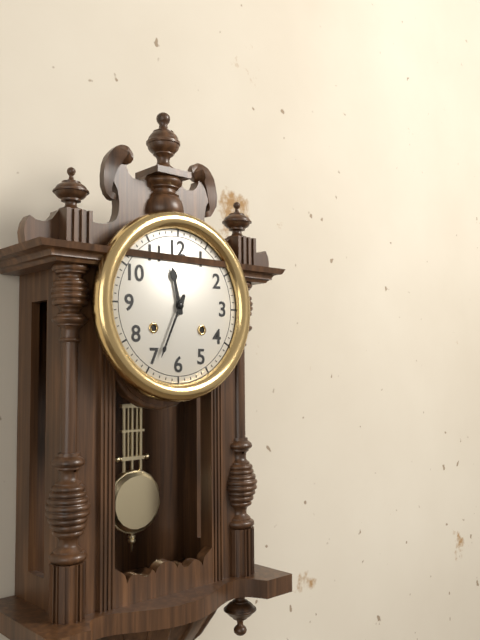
11:34
